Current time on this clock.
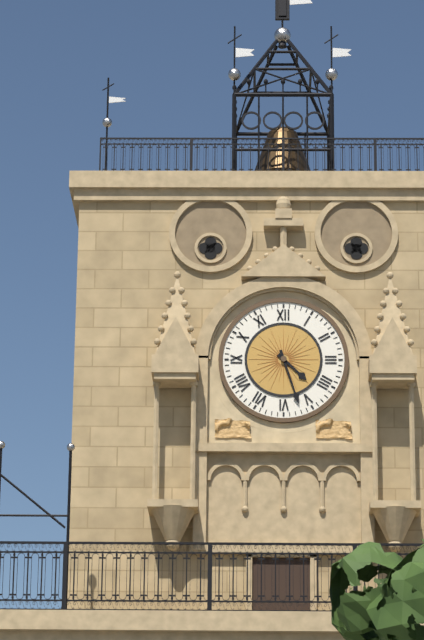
4:27
